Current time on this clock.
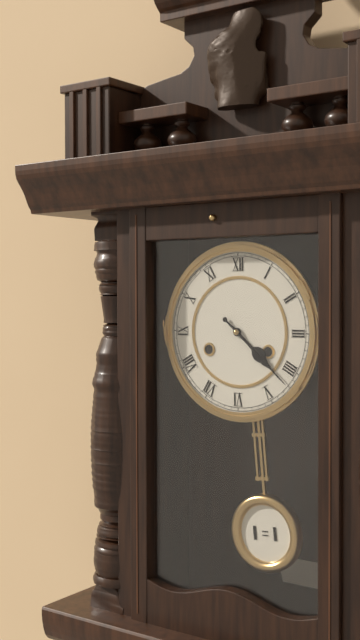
4:22
